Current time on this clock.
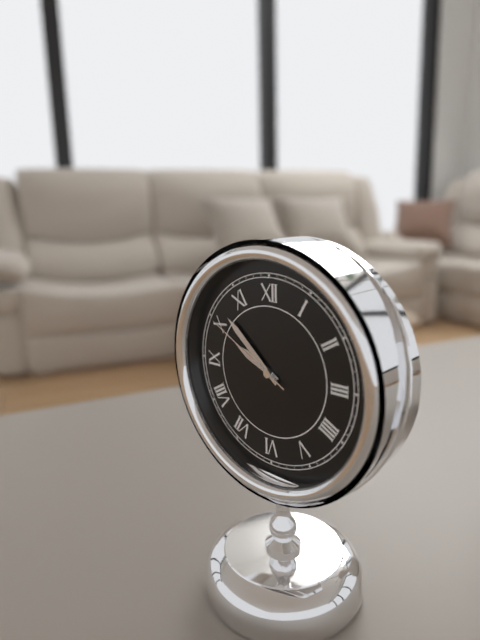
9:52:50
